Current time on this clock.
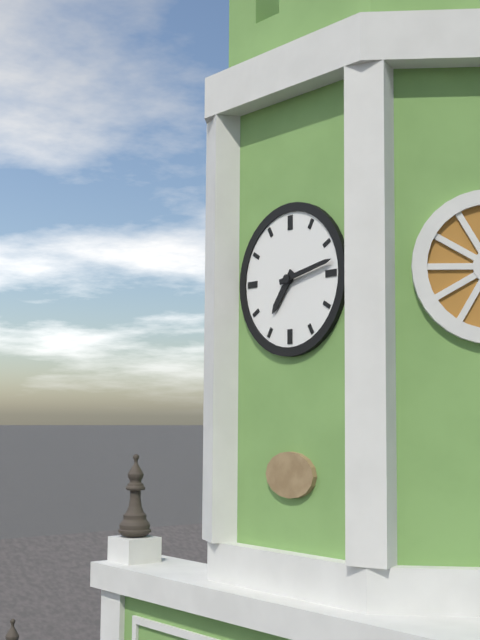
7:13
